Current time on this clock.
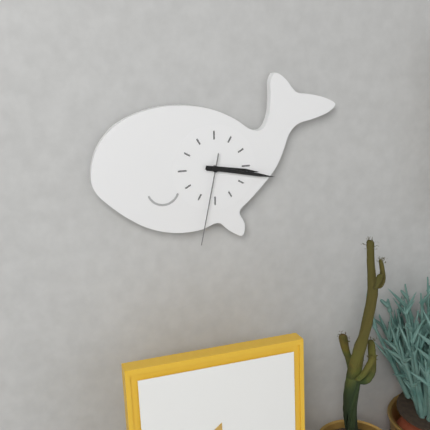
3:17:32
